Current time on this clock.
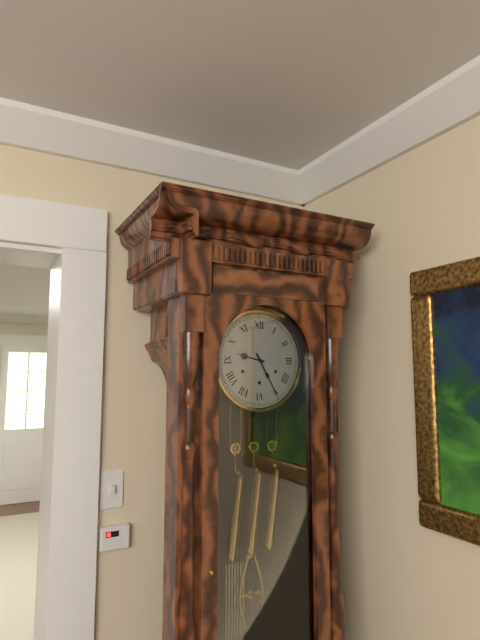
9:25
